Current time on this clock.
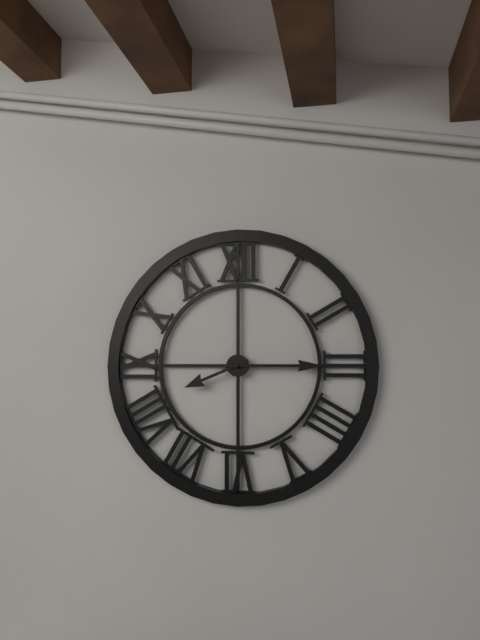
8:15
